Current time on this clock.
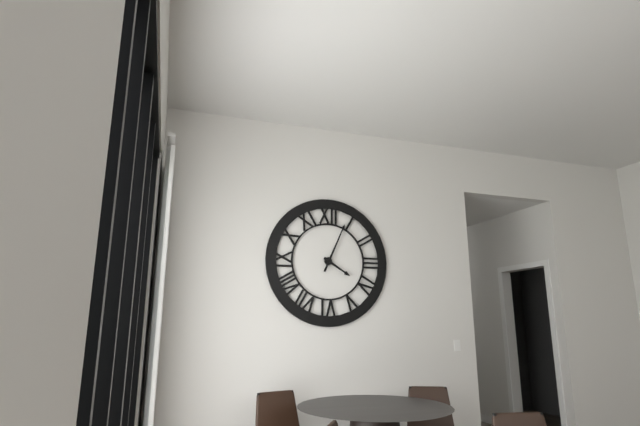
4:04
